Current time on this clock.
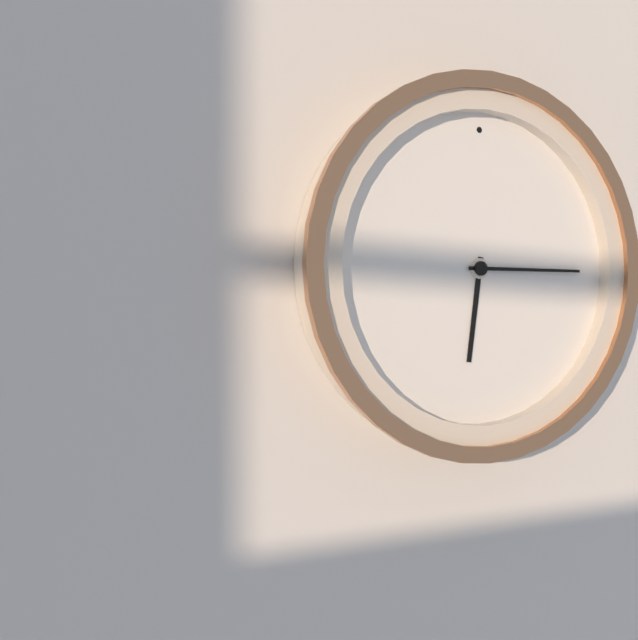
6:15
